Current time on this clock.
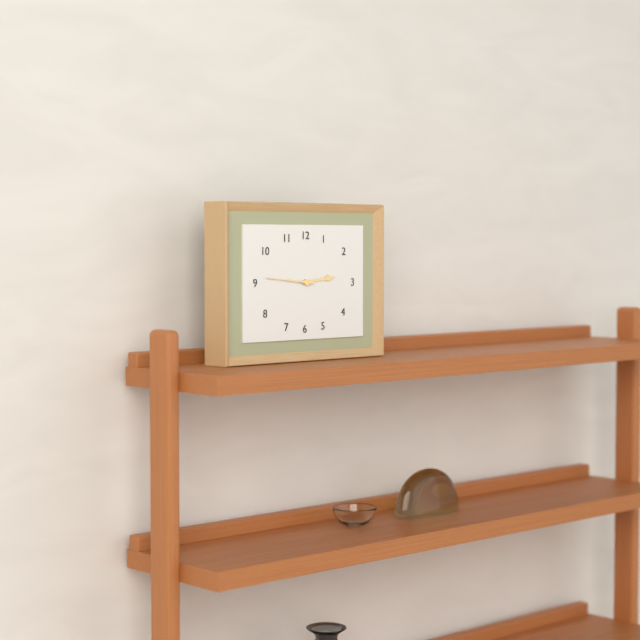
2:46
